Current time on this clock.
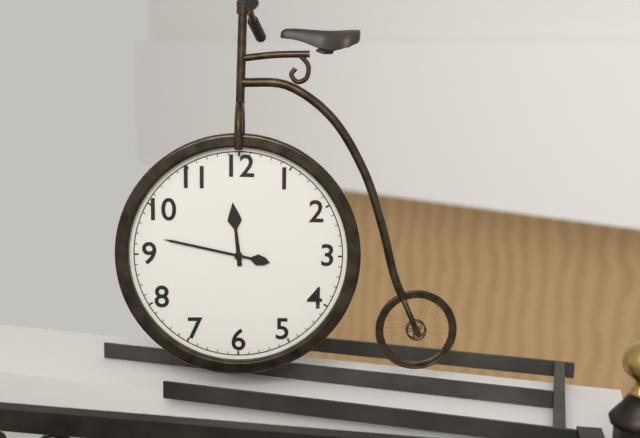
11:47
